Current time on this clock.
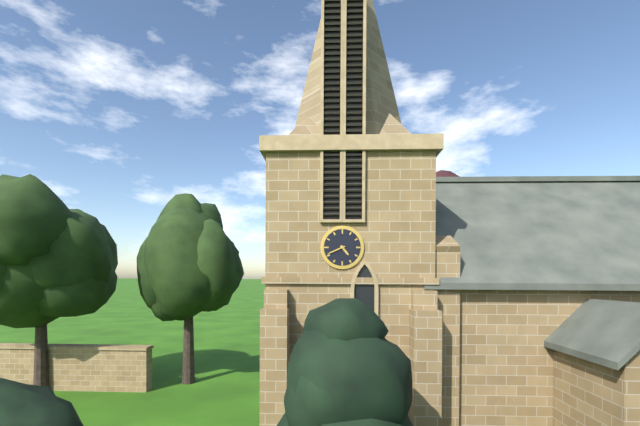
4:41
